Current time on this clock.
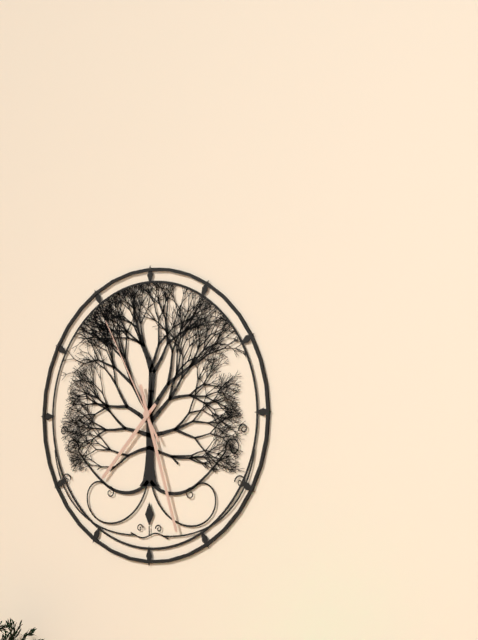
7:27:55
